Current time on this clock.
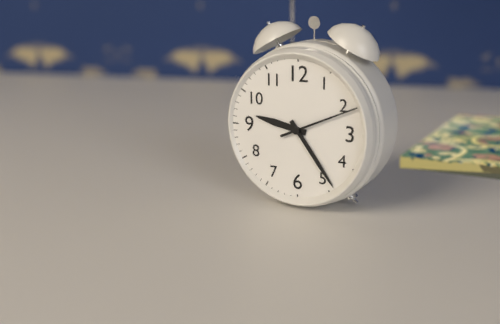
9:24:11
